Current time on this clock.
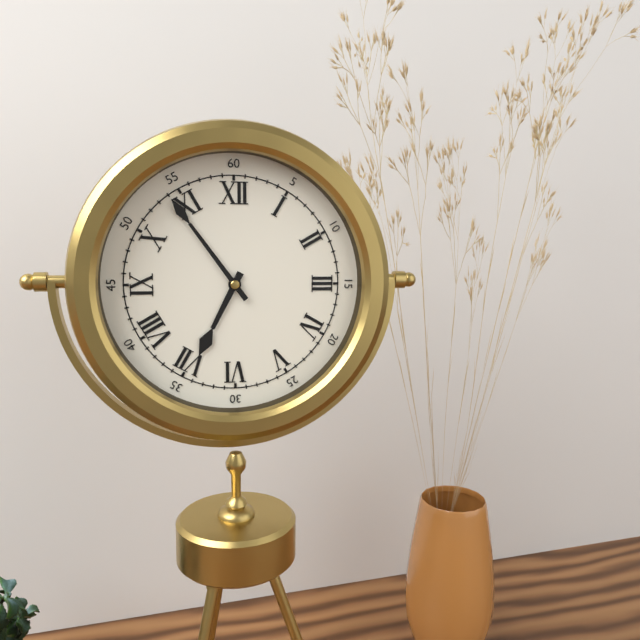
6:54
